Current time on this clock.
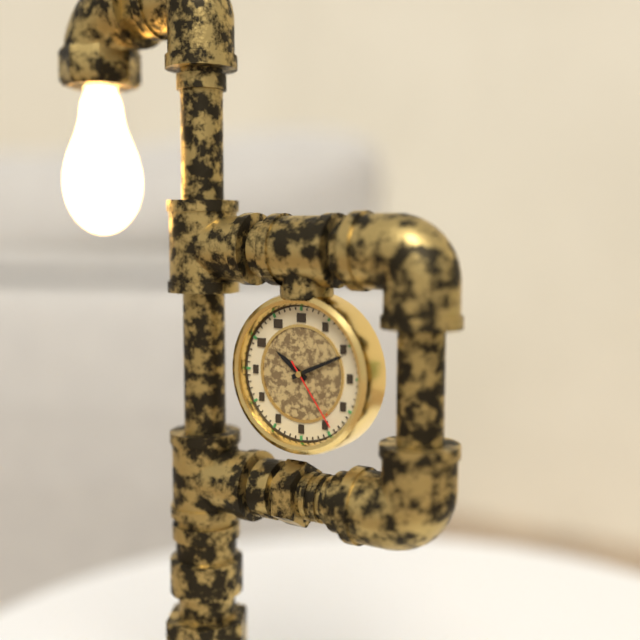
10:11:24
